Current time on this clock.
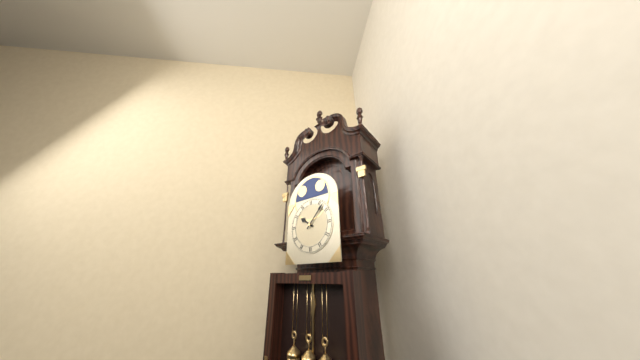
10:07
